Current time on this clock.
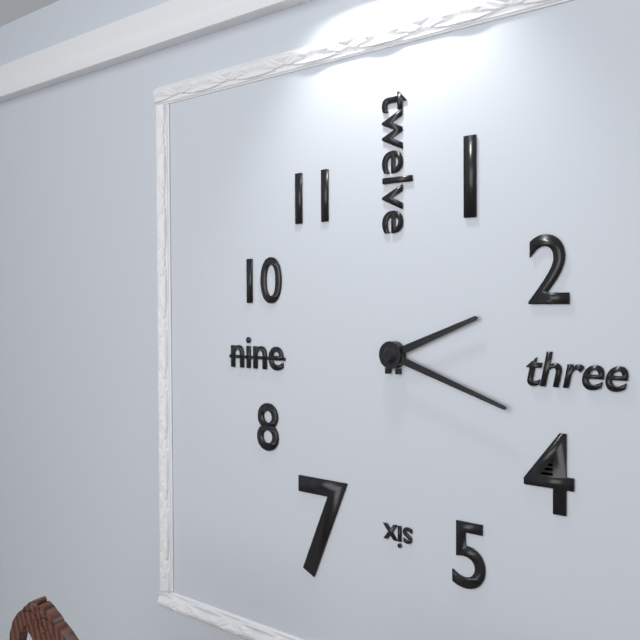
2:18
